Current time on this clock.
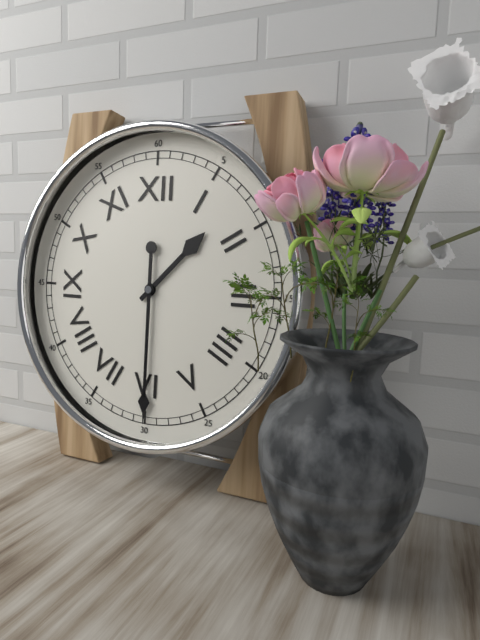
1:30
